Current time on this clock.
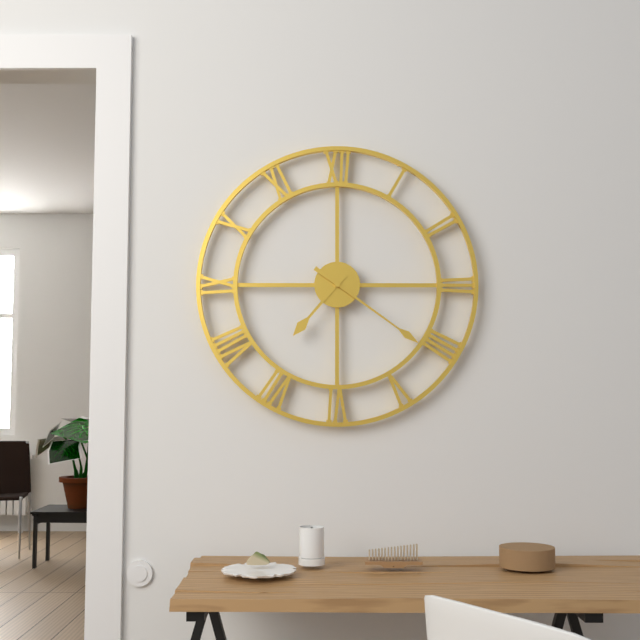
7:21
